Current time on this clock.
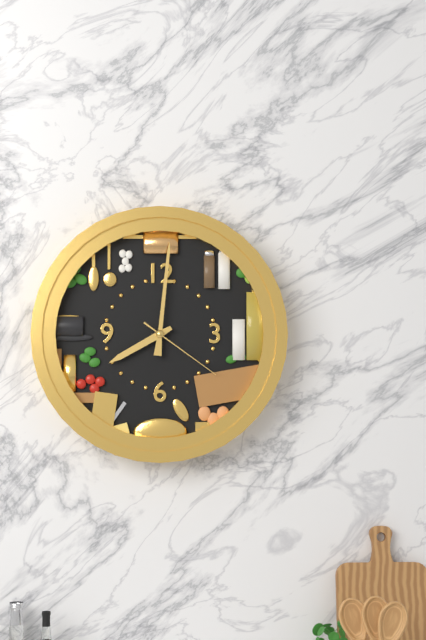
8:01:21
